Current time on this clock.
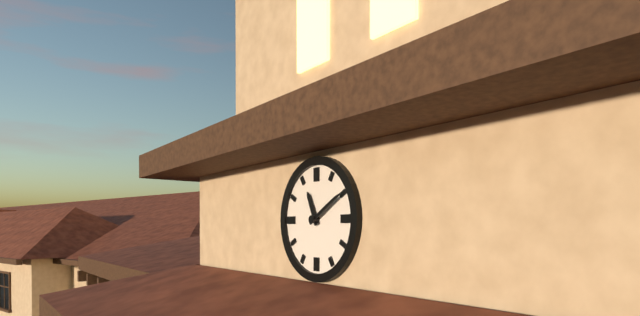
11:10
